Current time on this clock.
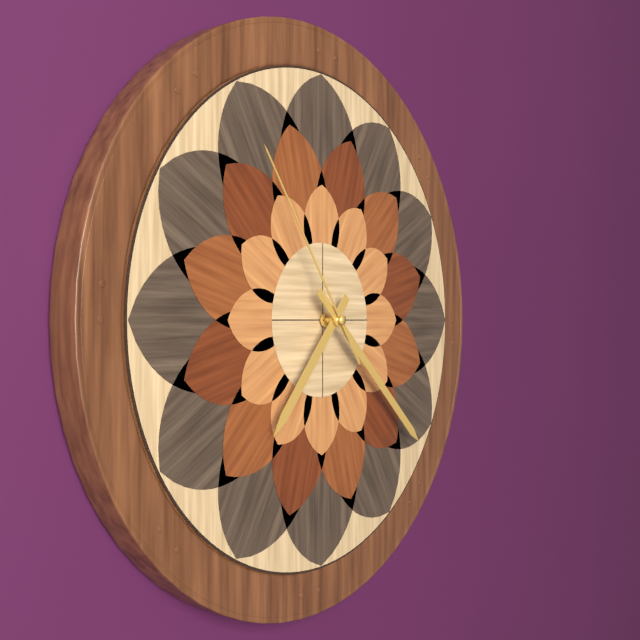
7:22:54
